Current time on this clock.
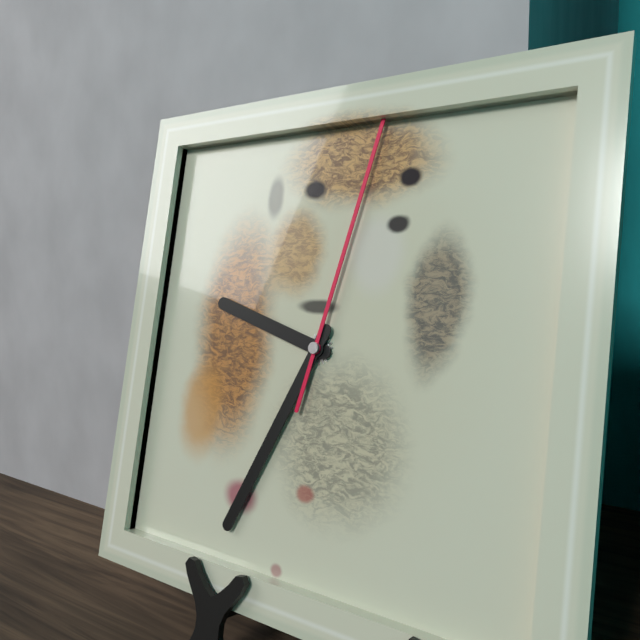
9:34:02
